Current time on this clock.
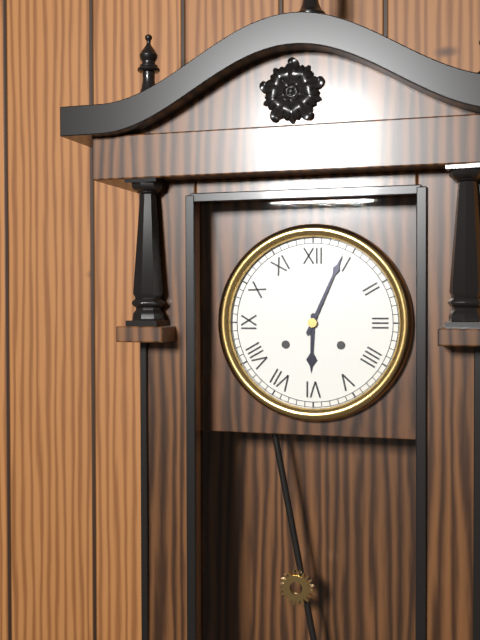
6:04
